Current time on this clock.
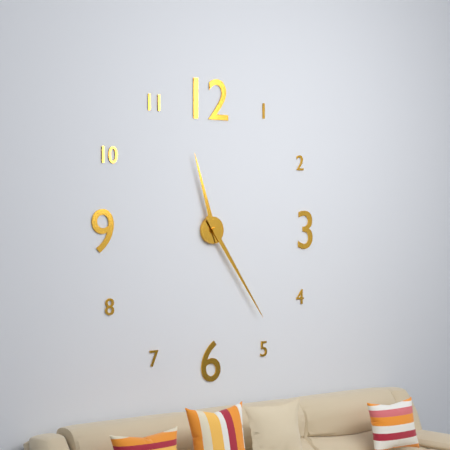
11:24
